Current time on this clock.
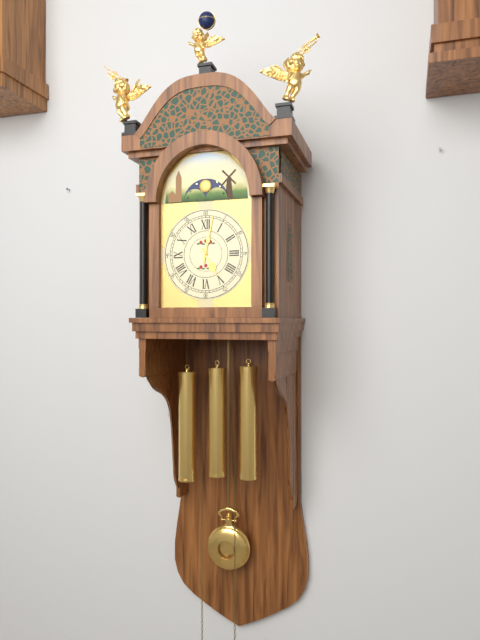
5:02
